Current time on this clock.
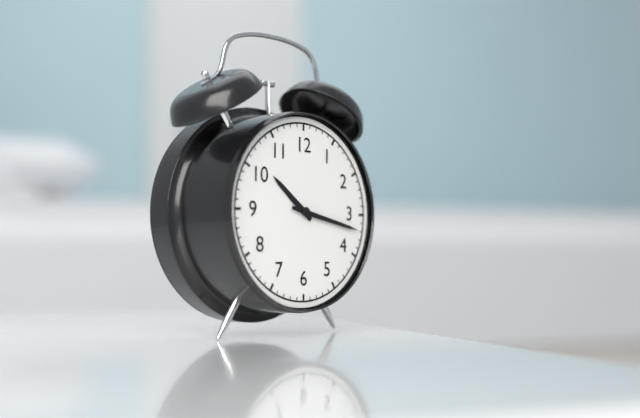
10:17
